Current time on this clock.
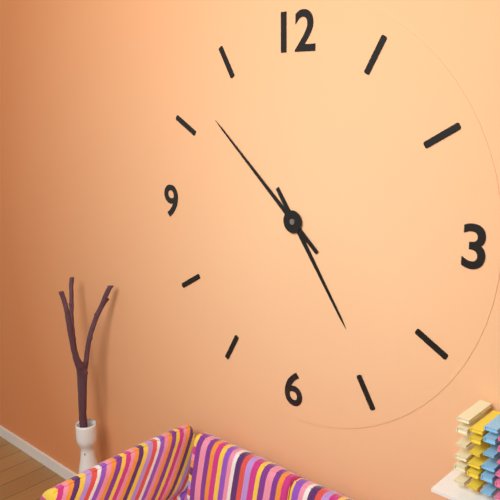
4:52
